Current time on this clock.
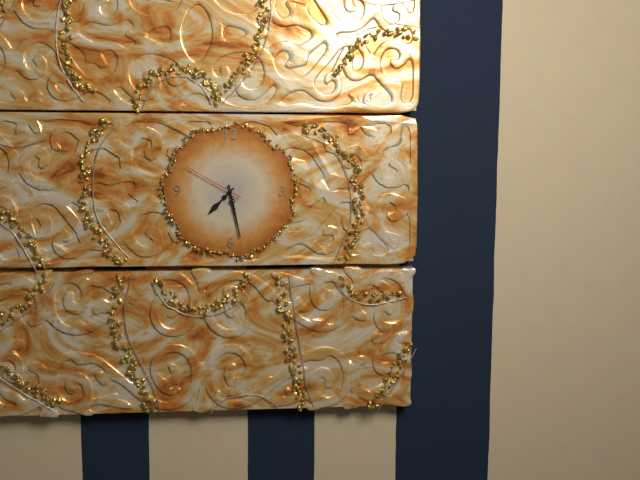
7:28:50
